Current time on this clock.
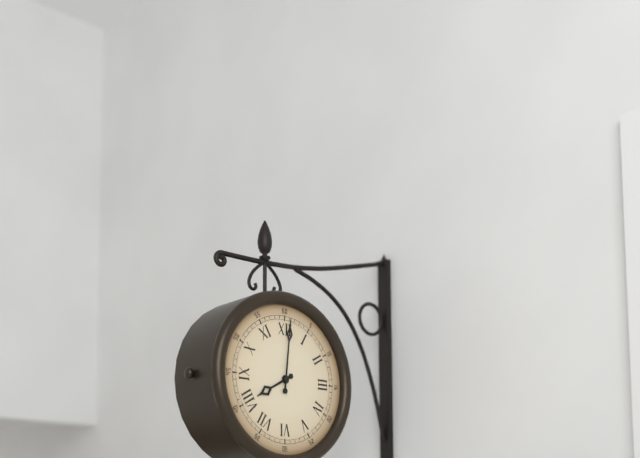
8:01
